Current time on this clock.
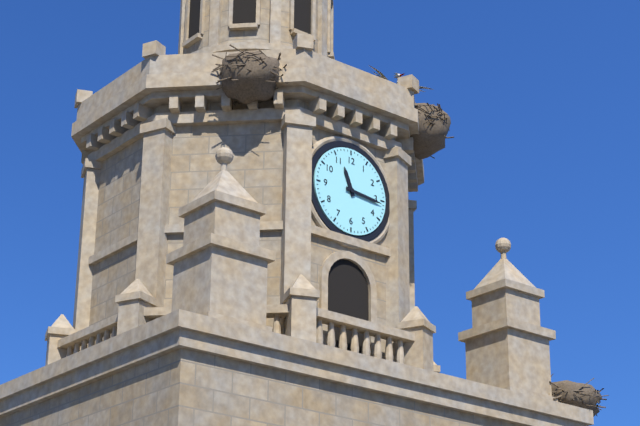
11:16
